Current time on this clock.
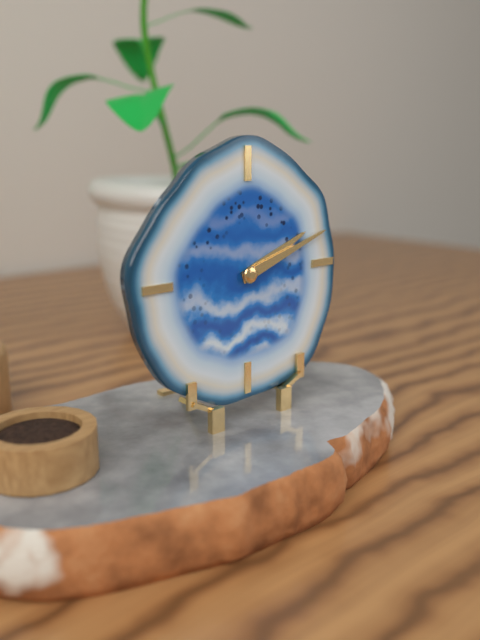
2:12
